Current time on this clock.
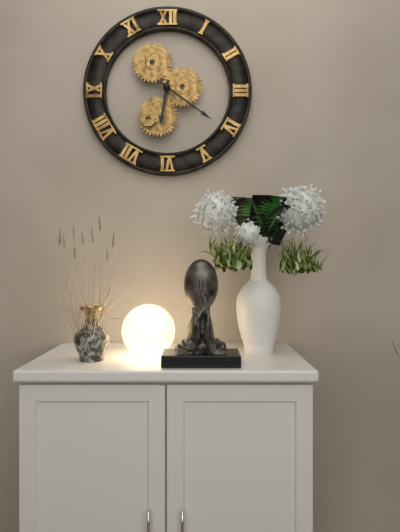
6:21
